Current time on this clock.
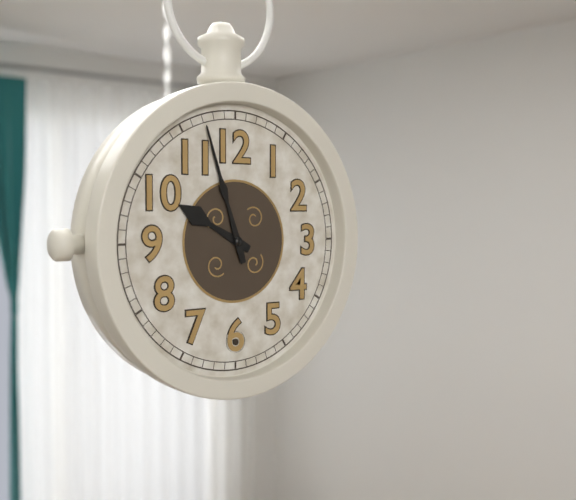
9:57
